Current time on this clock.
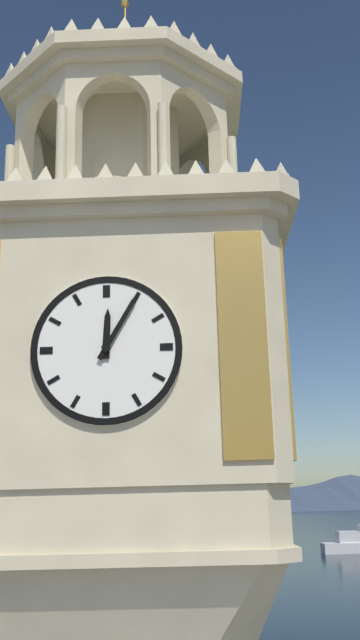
12:05
